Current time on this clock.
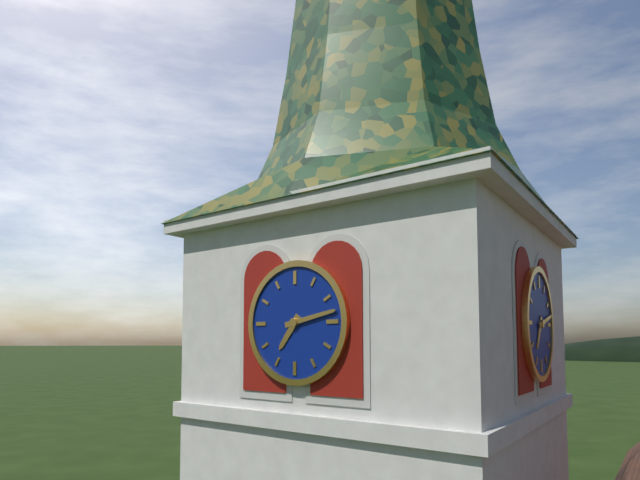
7:13
